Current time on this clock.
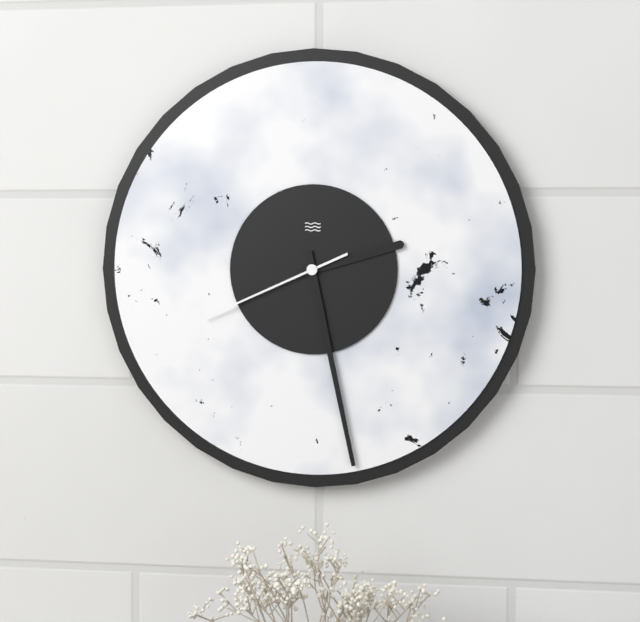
2:28:41
